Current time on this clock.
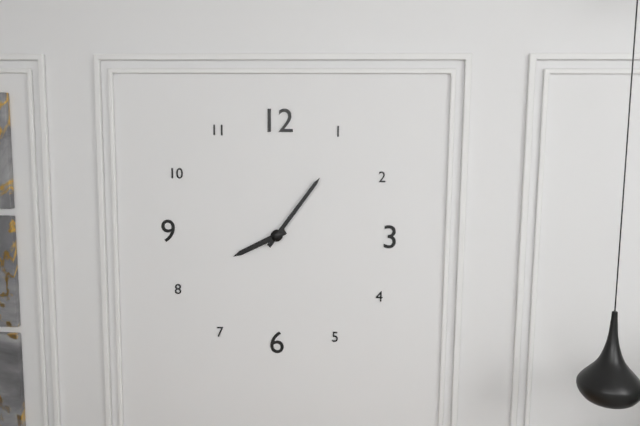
8:06
